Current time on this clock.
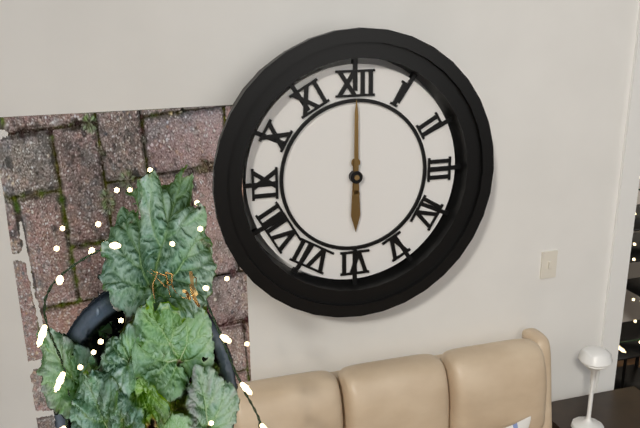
6:00
